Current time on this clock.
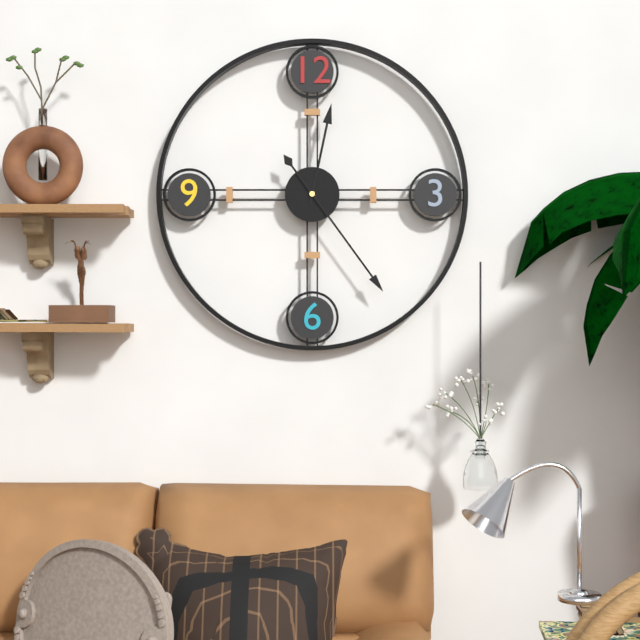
12:24
